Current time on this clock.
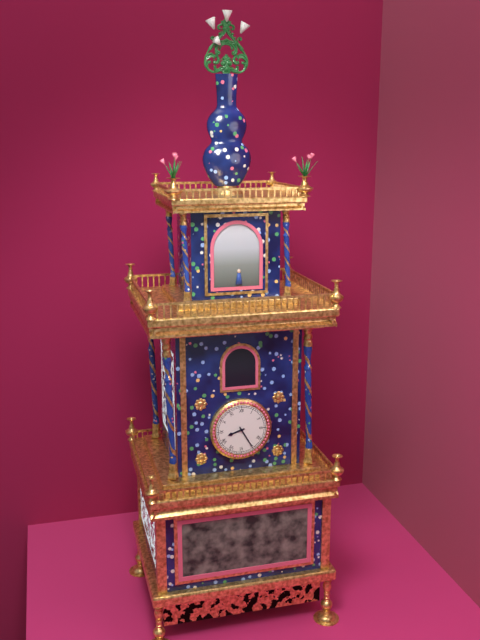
8:25
